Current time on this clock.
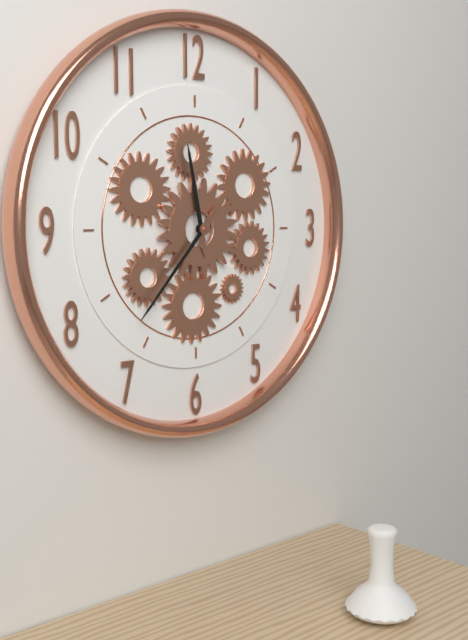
11:37
